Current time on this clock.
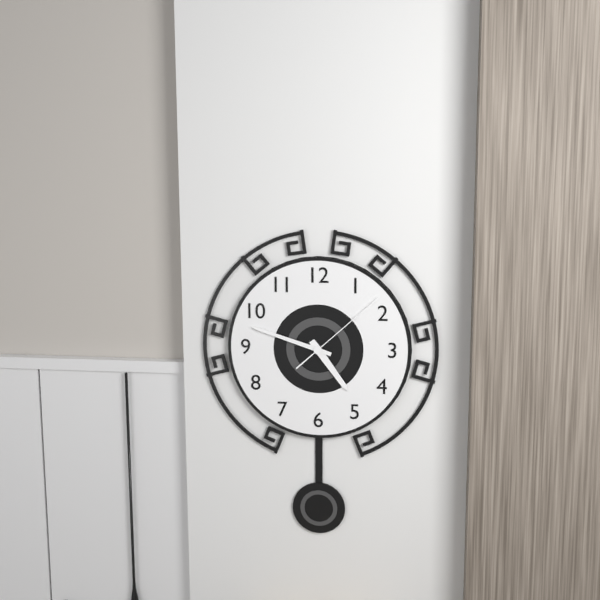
4:48:08
